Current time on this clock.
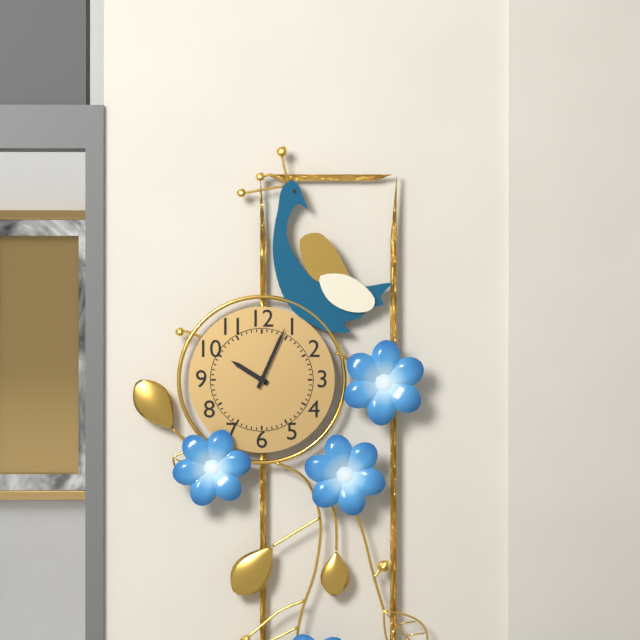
10:04
